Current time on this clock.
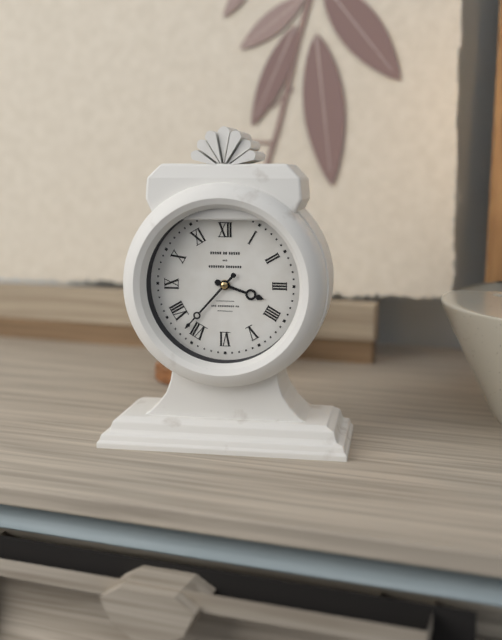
3:37
